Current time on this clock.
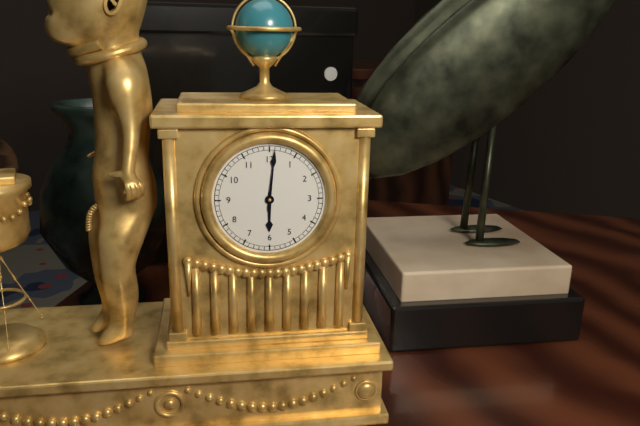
6:01
